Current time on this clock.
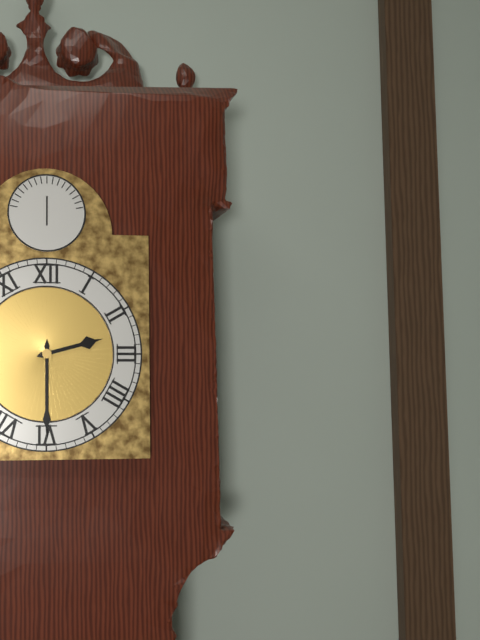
2:30
